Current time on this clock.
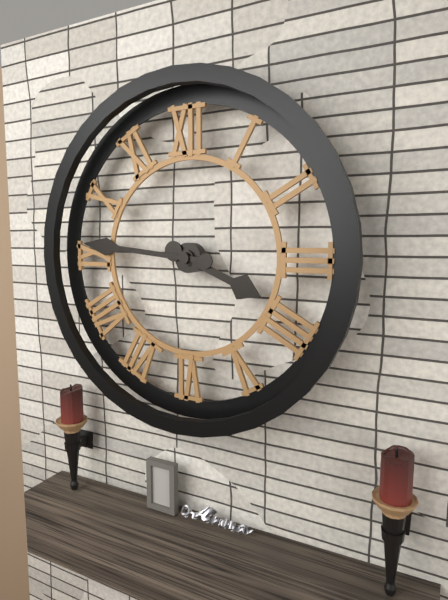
3:46
